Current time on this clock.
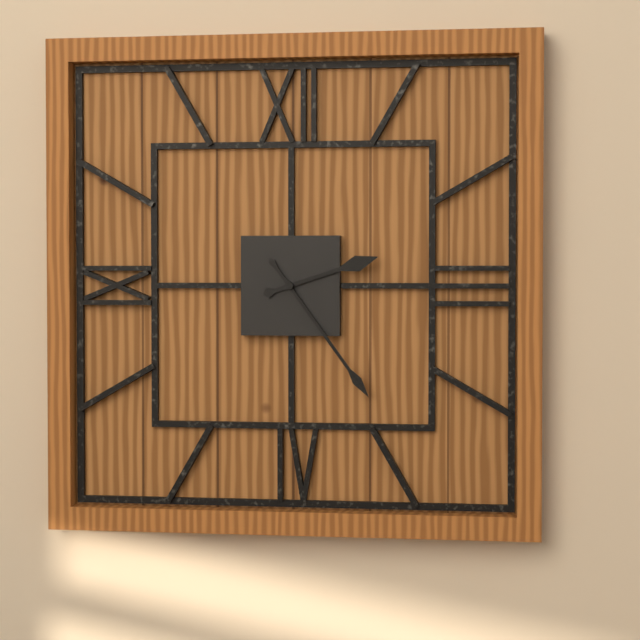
2:24
